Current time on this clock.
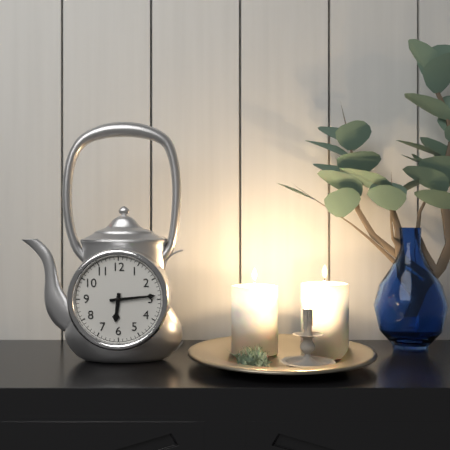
6:14
